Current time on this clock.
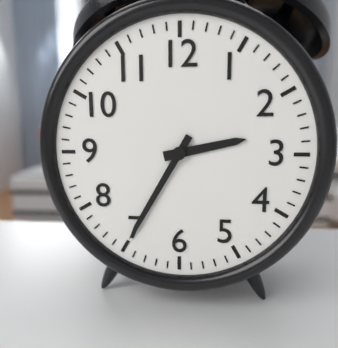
2:35
